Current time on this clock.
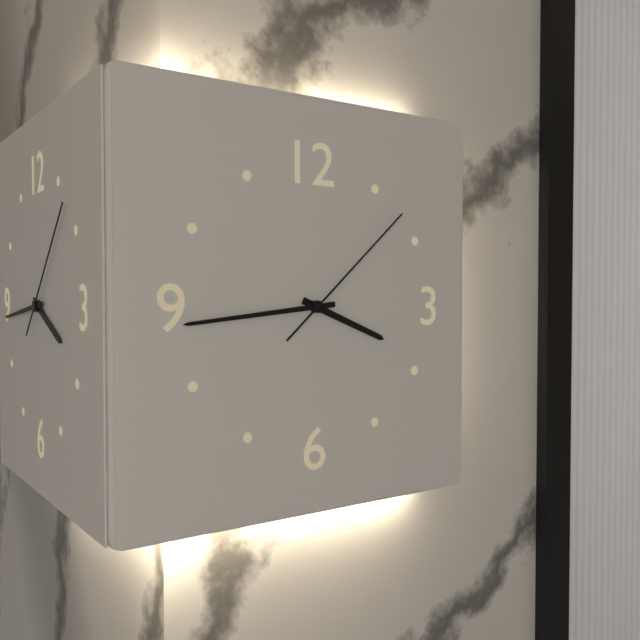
3:44:08
